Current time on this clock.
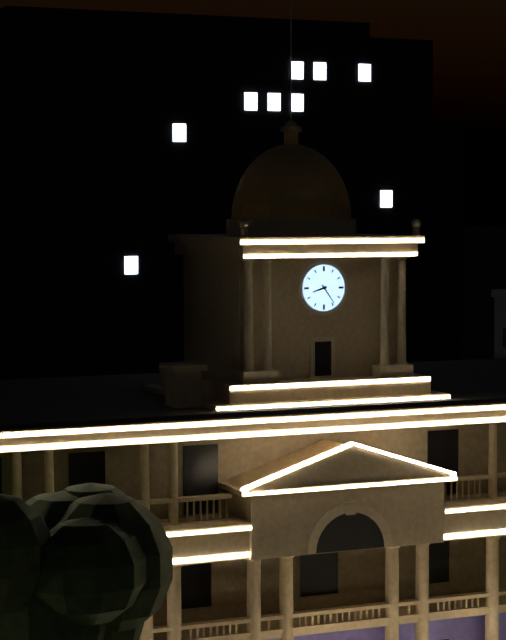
8:24
